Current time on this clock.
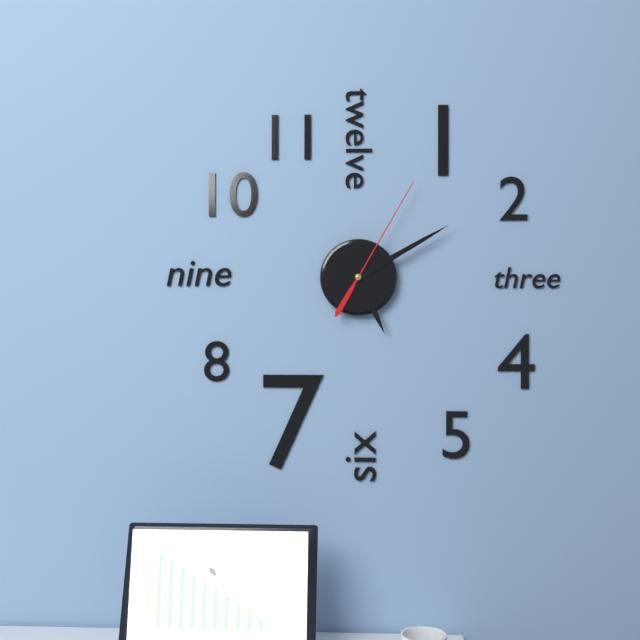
5:10:05
